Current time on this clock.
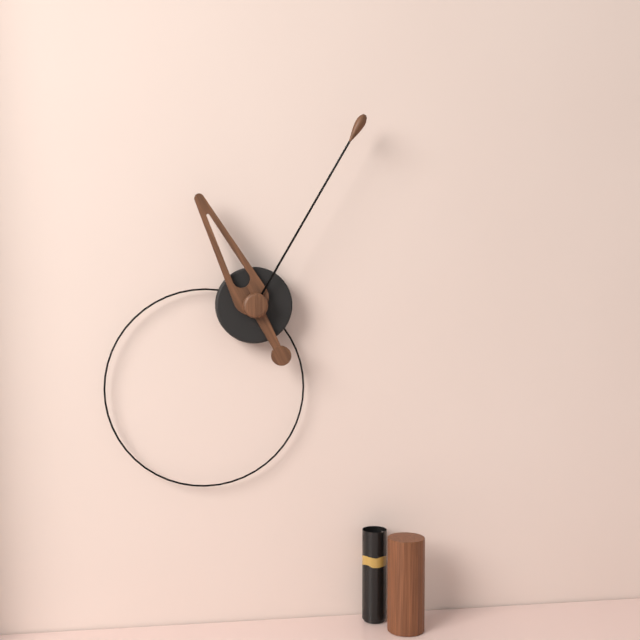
11:05
